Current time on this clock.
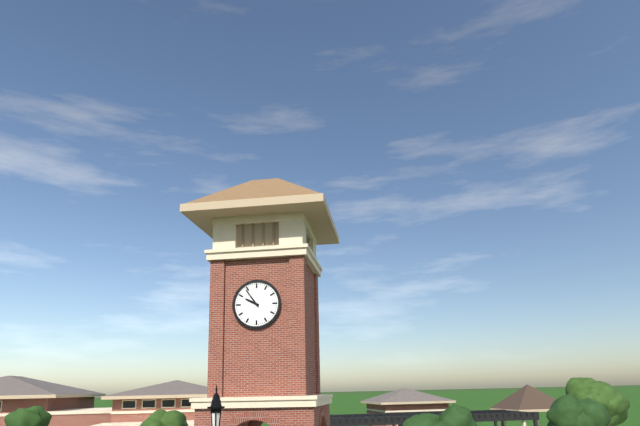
9:54
